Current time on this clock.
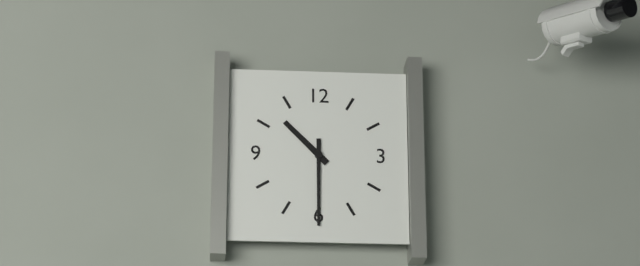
10:30
